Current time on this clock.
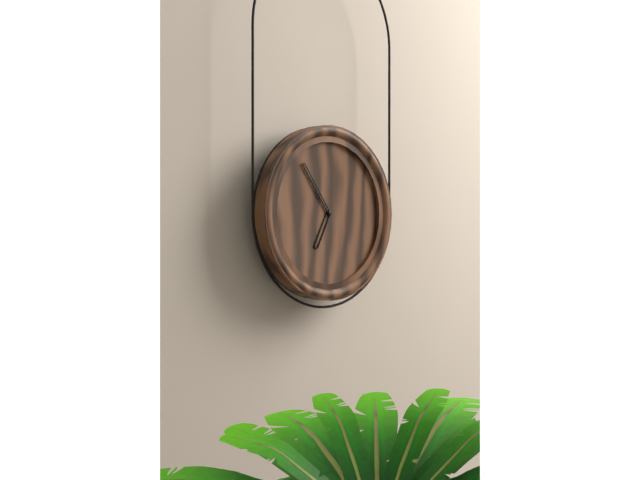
6:54
